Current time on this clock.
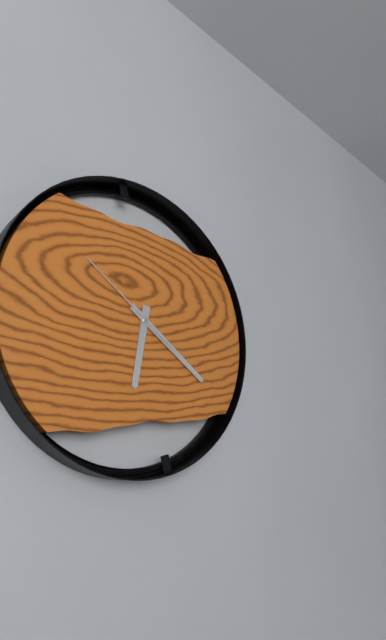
6:21:51
